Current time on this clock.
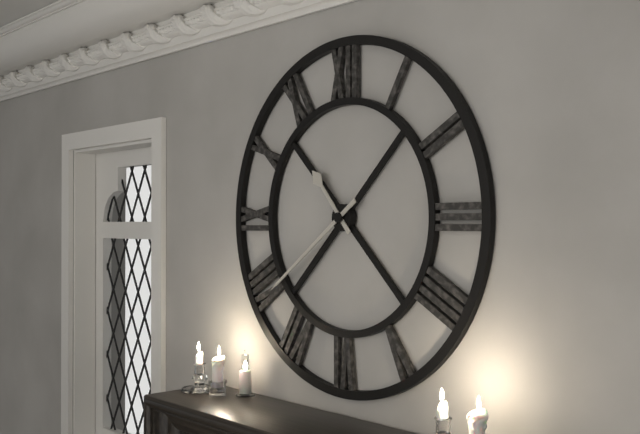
10:39
